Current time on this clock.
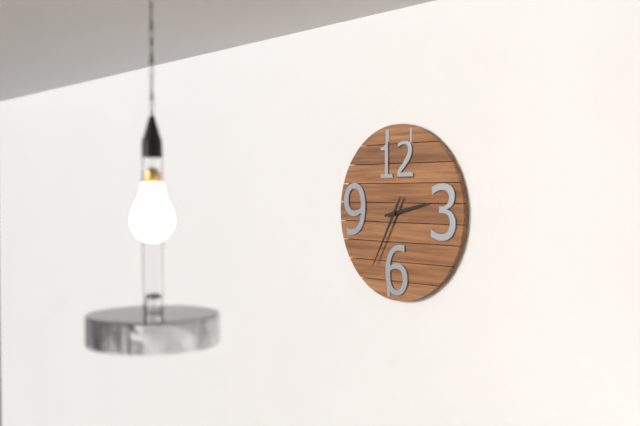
2:35
